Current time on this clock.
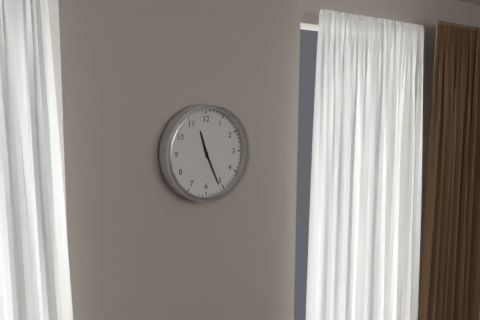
11:26
